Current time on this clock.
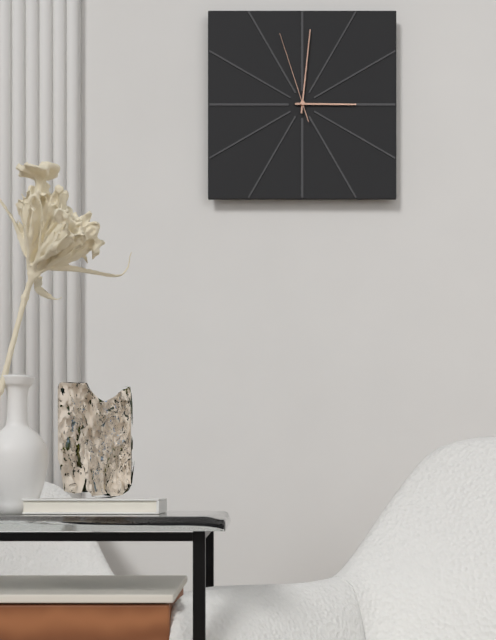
3:01:57
